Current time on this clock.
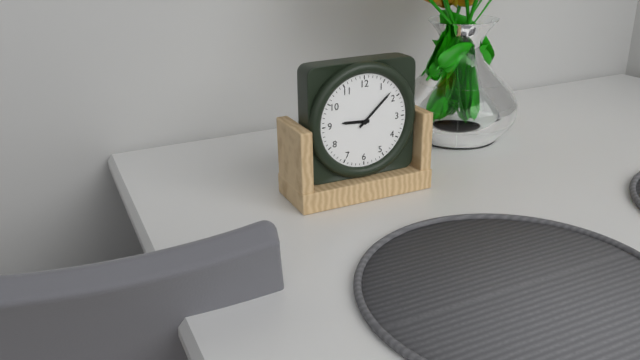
9:08
